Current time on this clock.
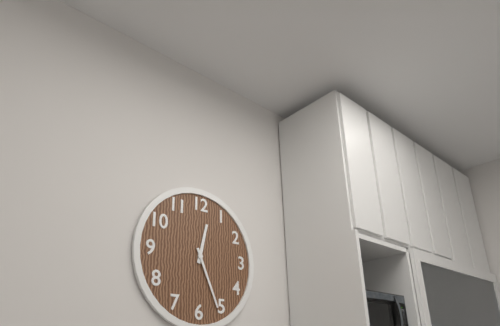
12:26
